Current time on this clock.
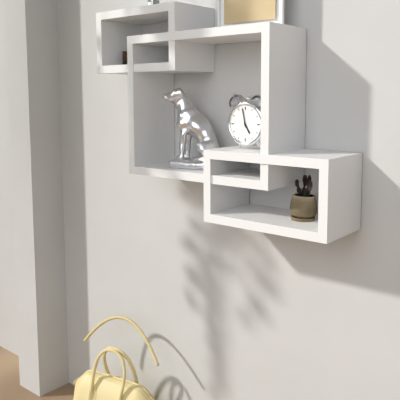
4:58
